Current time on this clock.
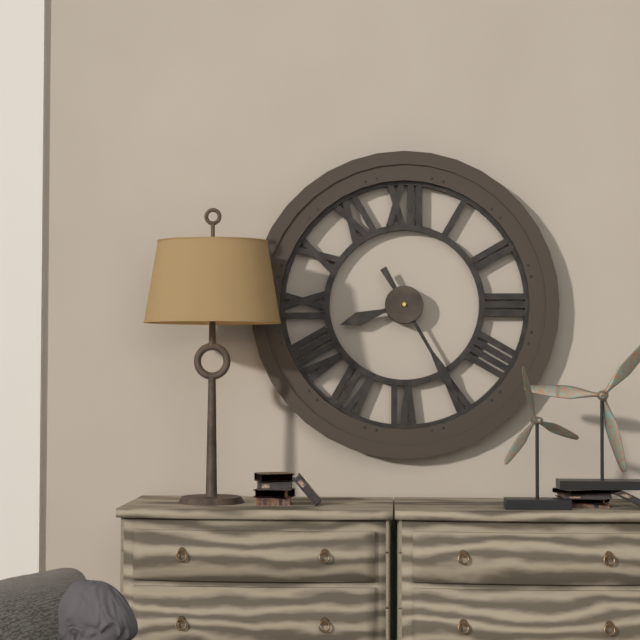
8:25
